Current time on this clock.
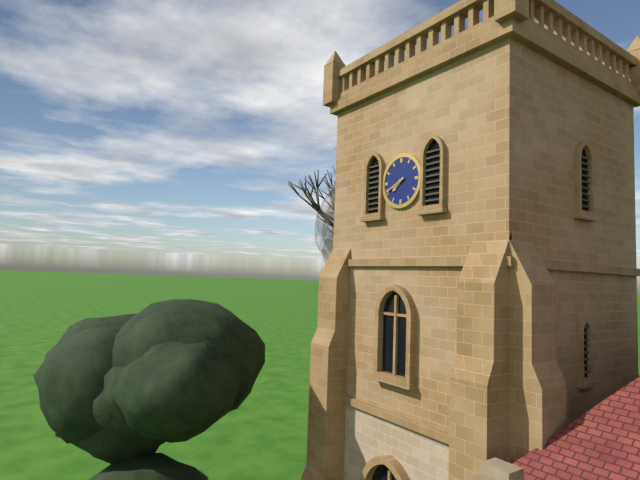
7:41
